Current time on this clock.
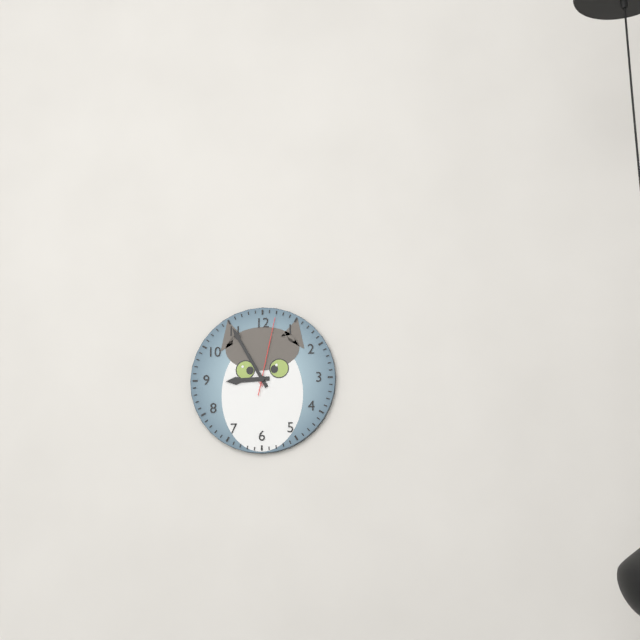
8:55:02
